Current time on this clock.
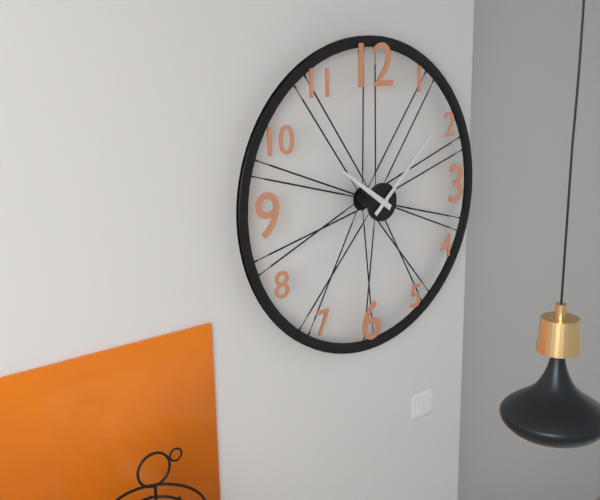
10:08
